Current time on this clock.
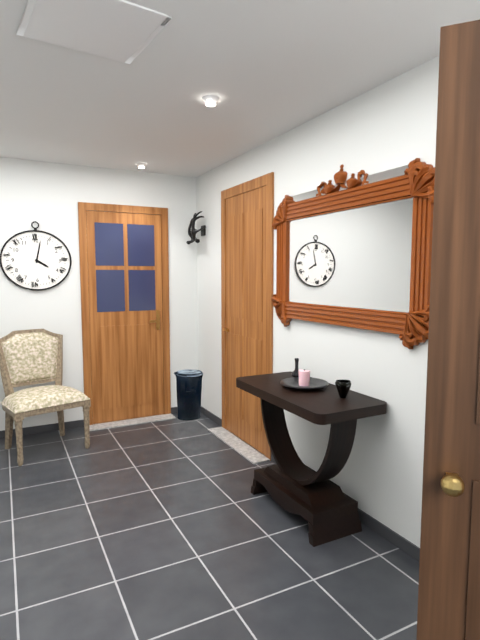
4:02
